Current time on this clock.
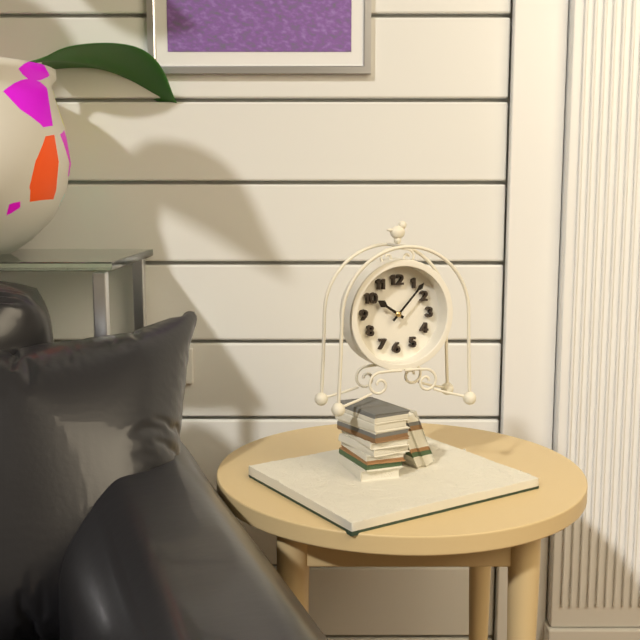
10:07
